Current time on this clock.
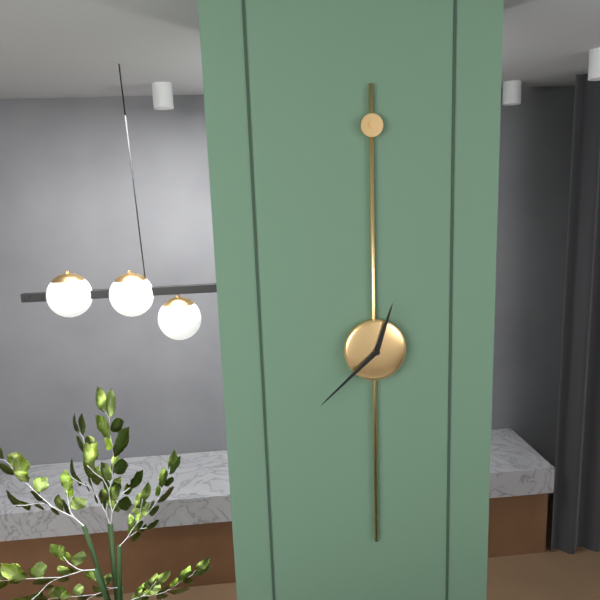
12:38
